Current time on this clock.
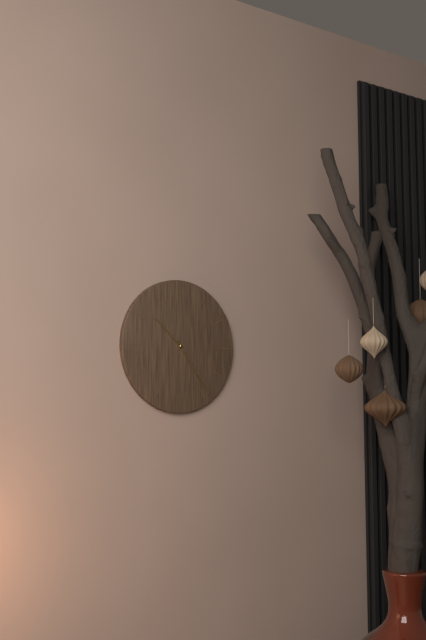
10:24
